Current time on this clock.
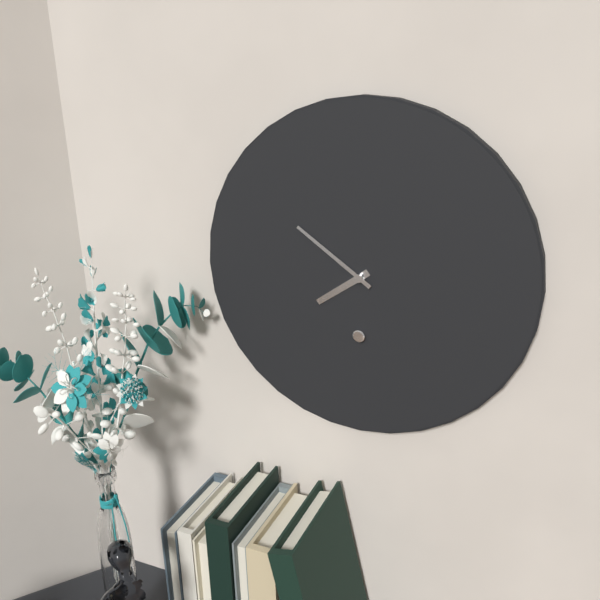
7:51
